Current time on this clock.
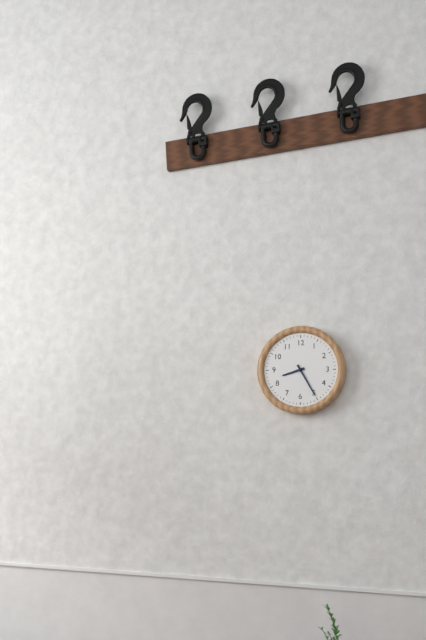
8:25
